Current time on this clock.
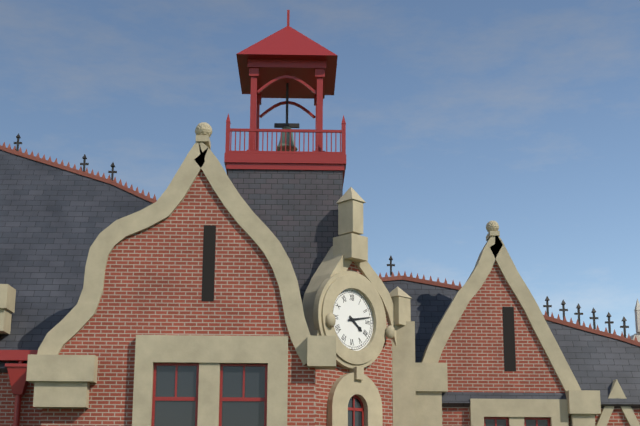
4:13
